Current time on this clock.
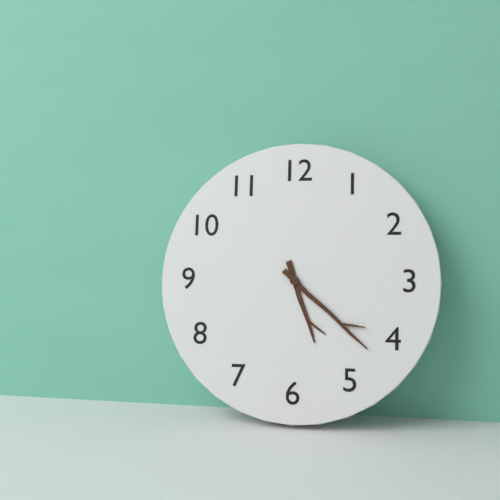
5:22
